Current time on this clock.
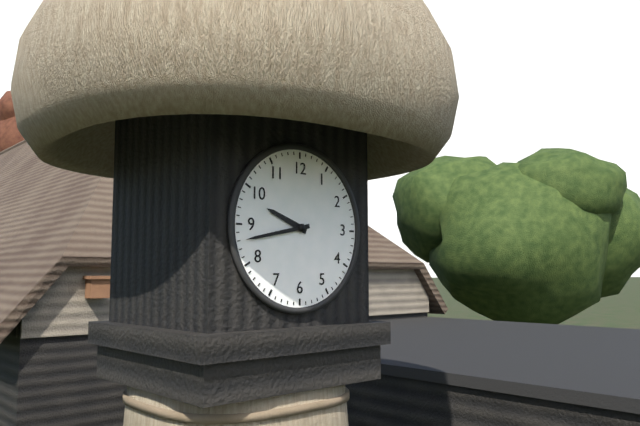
9:43
